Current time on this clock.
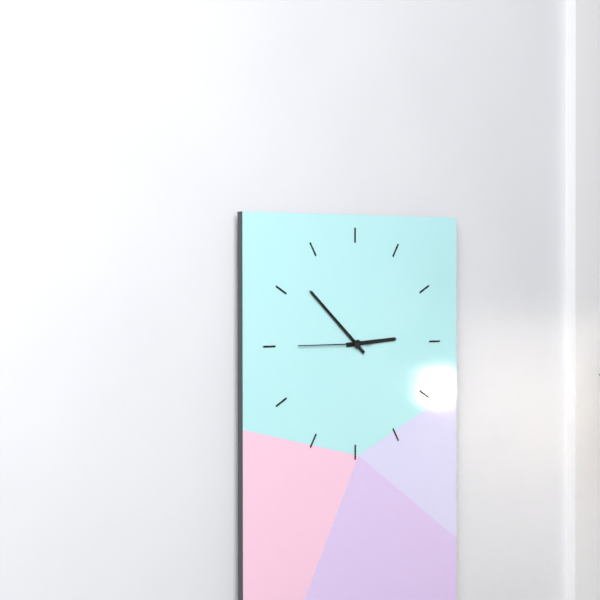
2:52:45
